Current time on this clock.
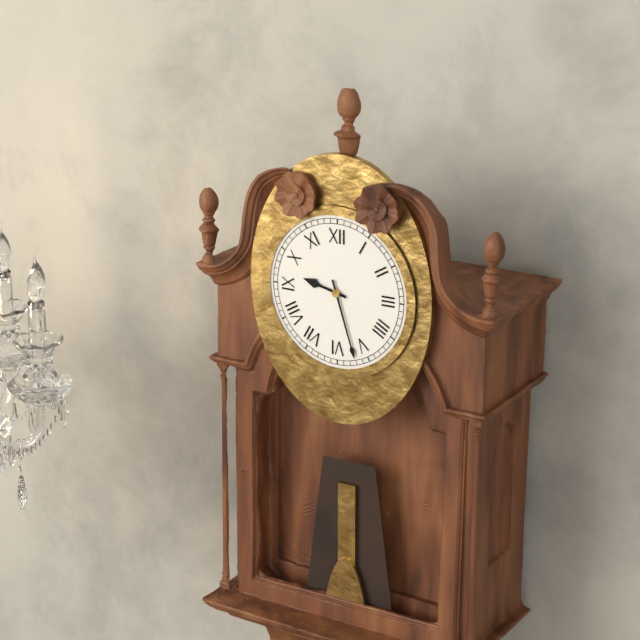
9:27
